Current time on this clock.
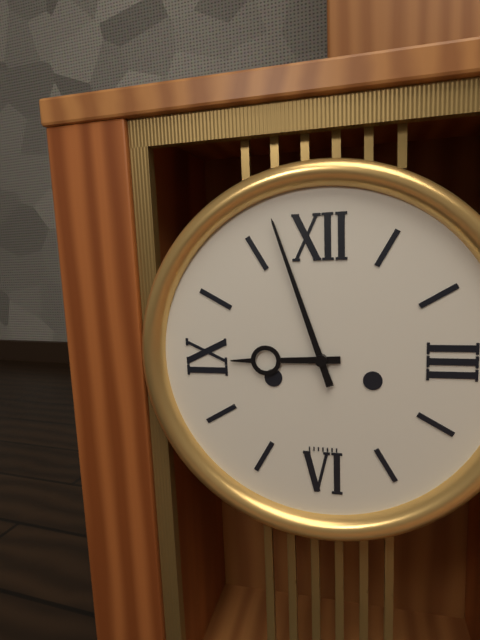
8:57
